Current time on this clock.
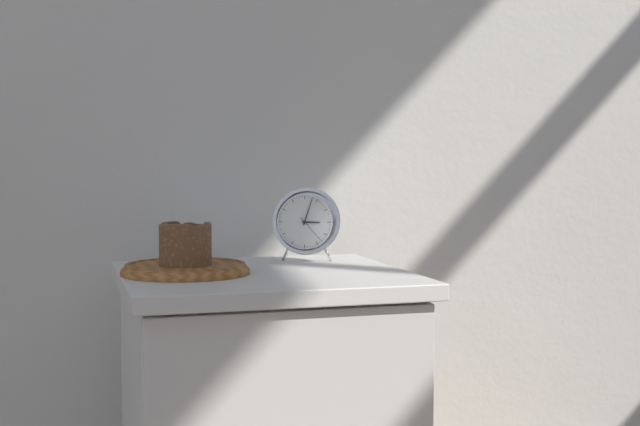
3:03
